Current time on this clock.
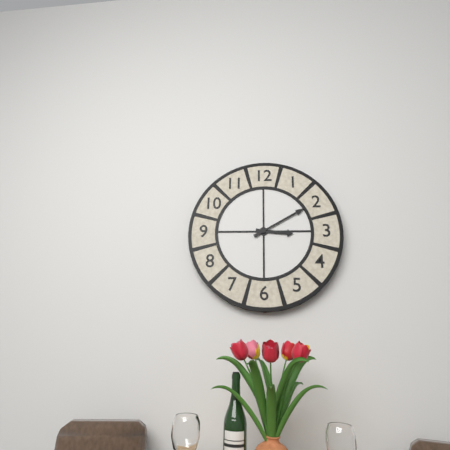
3:10
